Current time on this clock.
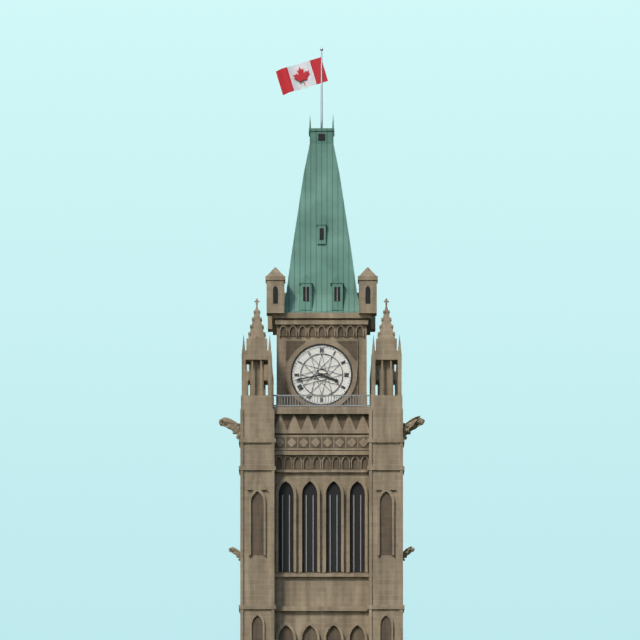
3:43
